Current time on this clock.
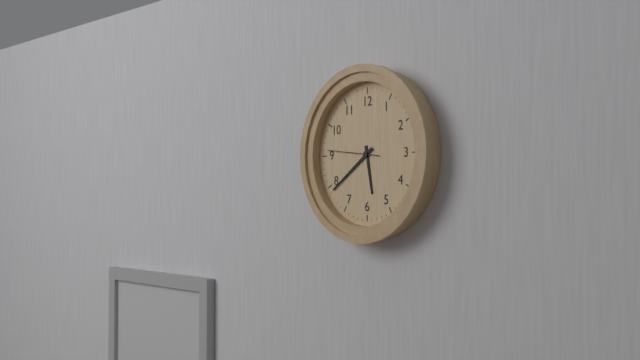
5:39
